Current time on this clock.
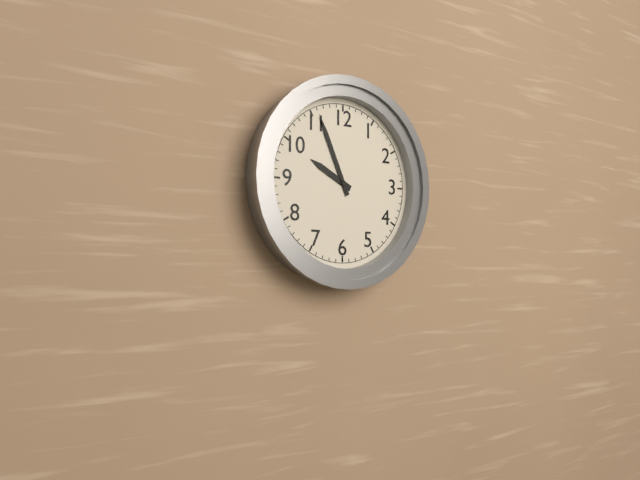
9:56
